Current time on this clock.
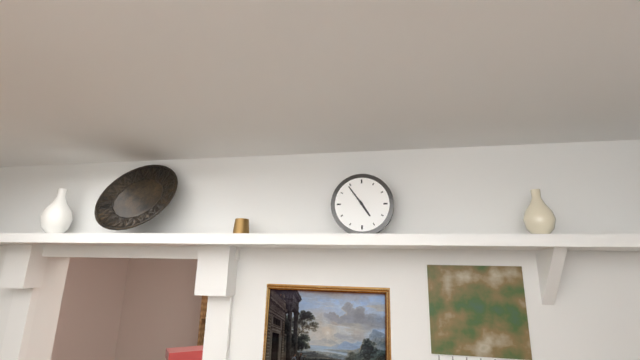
4:54
